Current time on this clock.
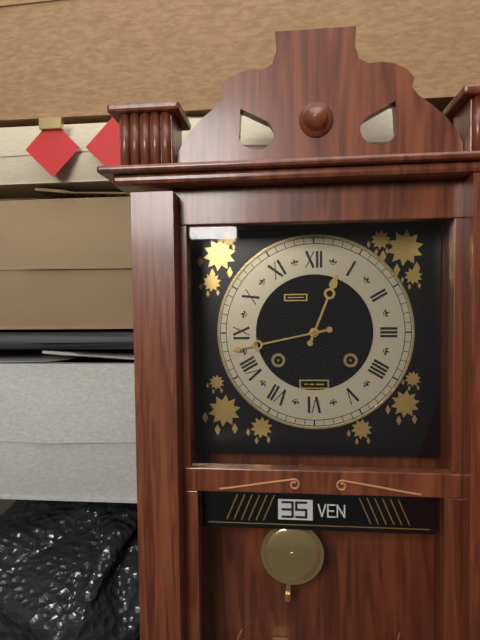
12:43
